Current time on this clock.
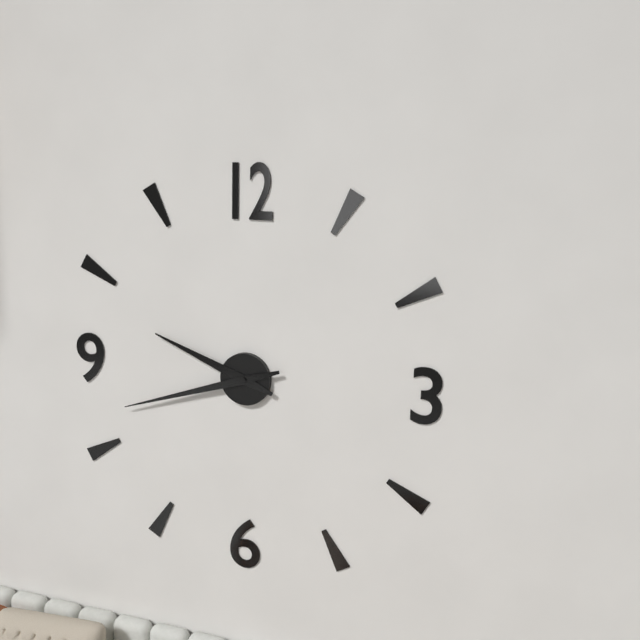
9:42
